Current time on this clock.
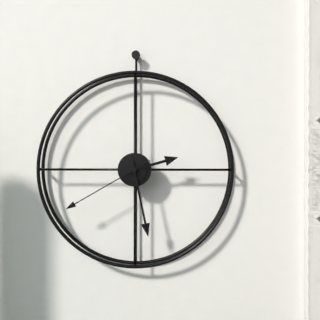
2:28:40
